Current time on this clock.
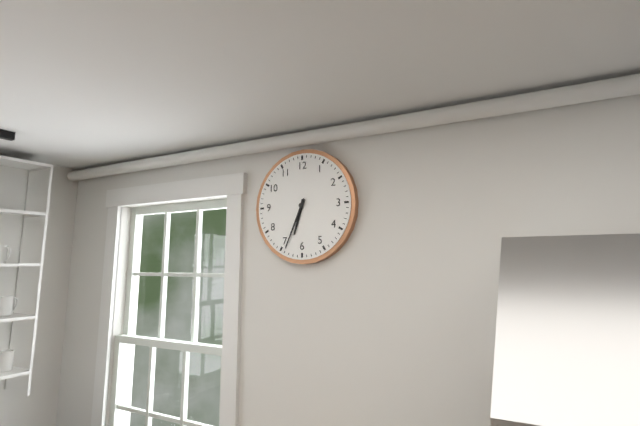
6:34
